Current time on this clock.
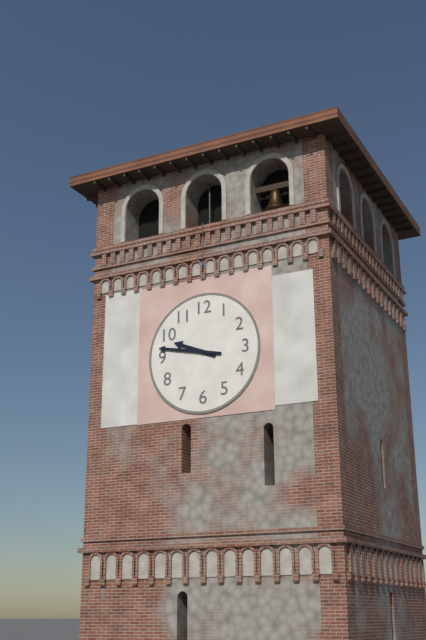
9:47
